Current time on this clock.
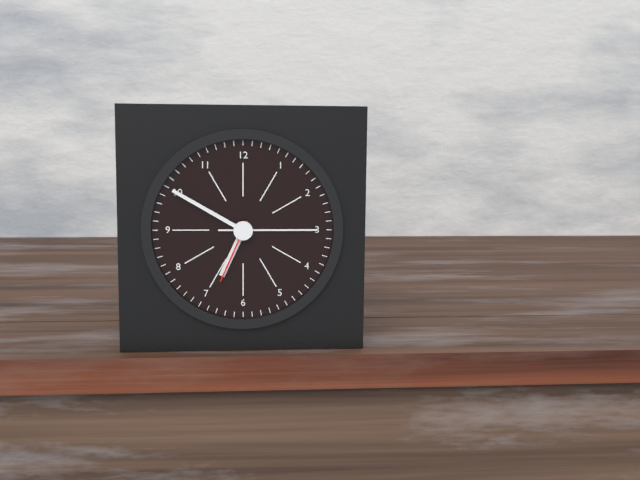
6:50:34
